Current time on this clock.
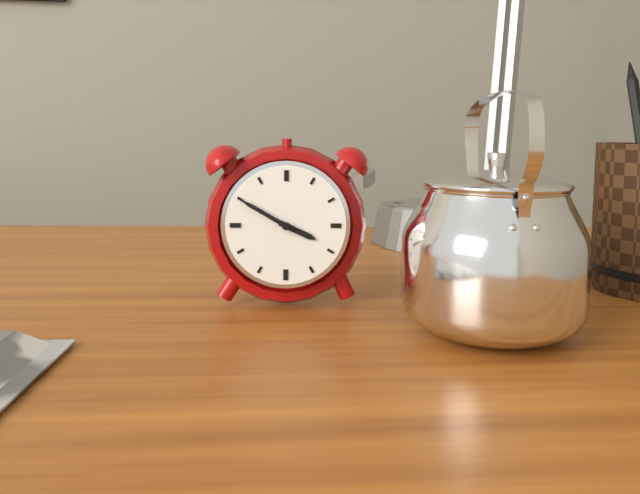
3:50
